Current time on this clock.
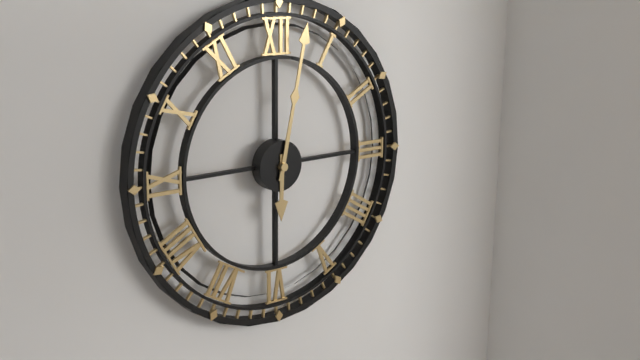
6:02
